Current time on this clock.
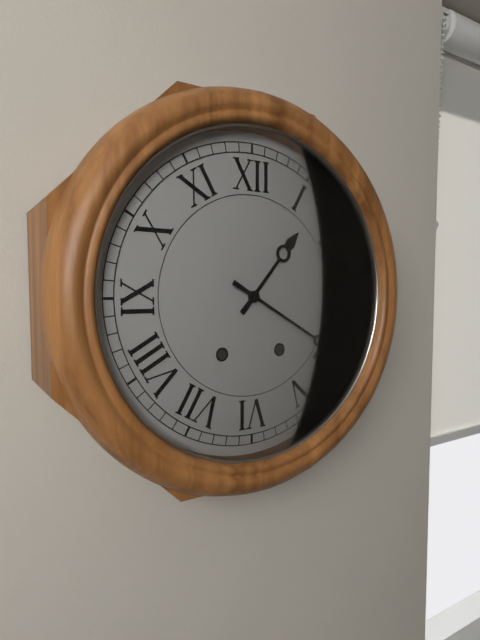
1:20
